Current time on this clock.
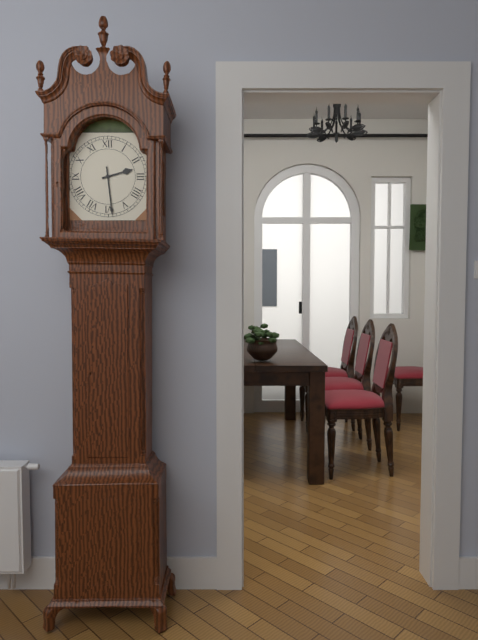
2:29
